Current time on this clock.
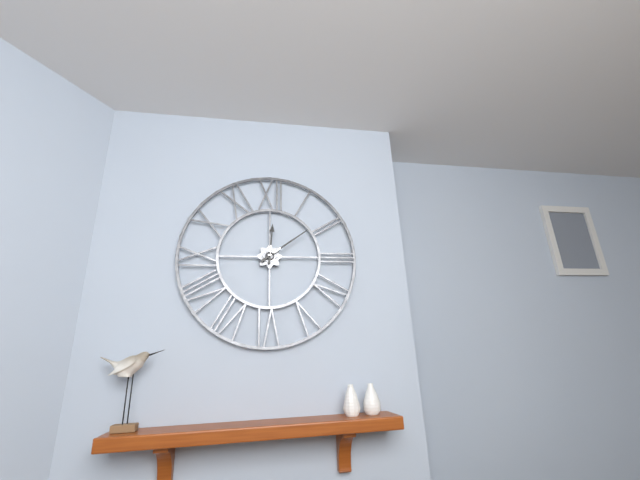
12:09
